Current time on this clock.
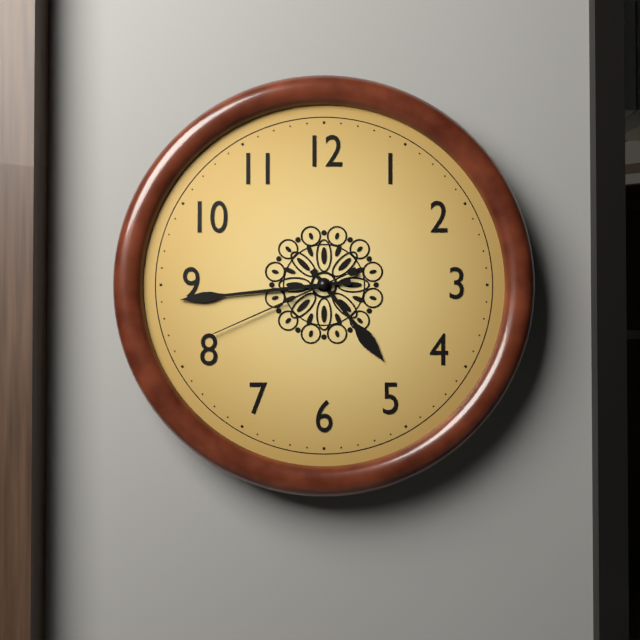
4:44:41
